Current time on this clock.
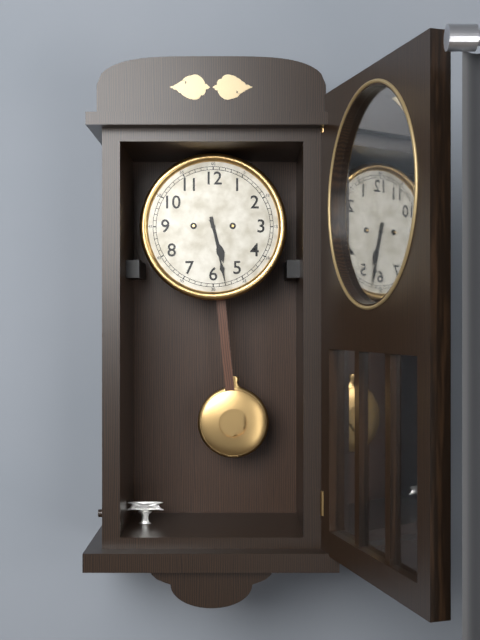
5:28
